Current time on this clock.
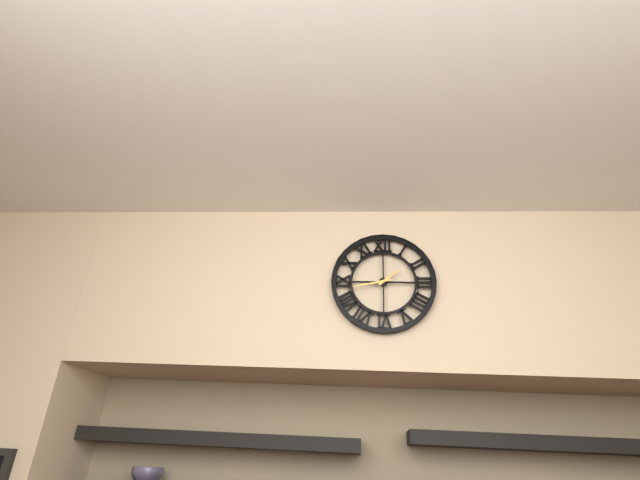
1:43
